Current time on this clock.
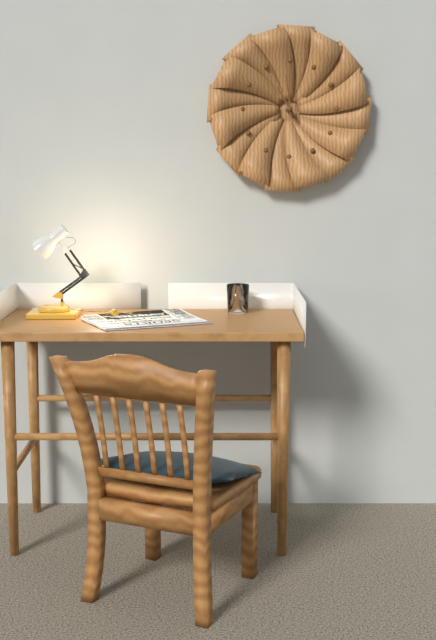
10:59
